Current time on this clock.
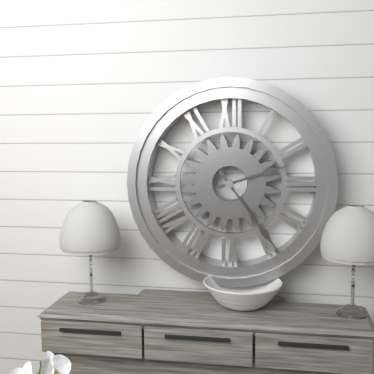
2:24
